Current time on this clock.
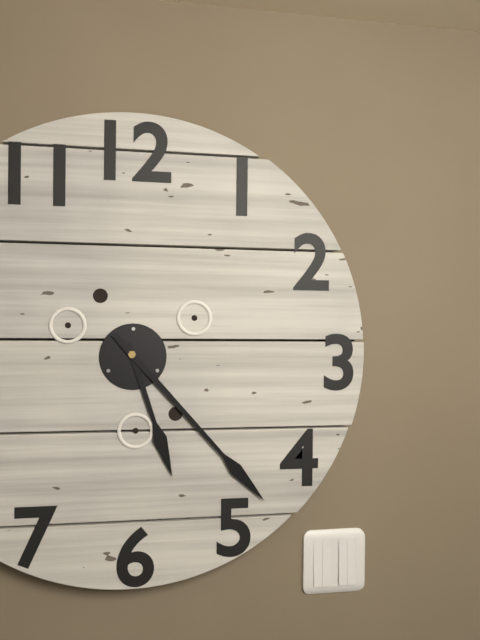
5:23
